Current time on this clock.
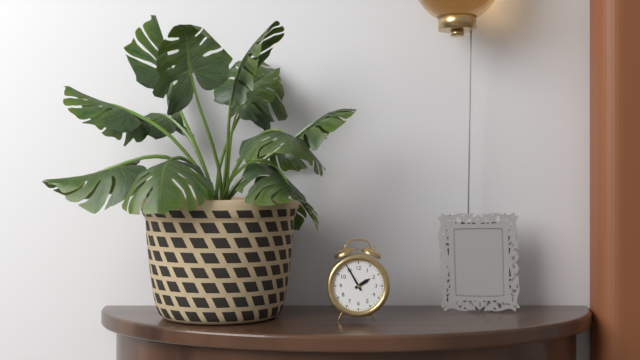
1:55
